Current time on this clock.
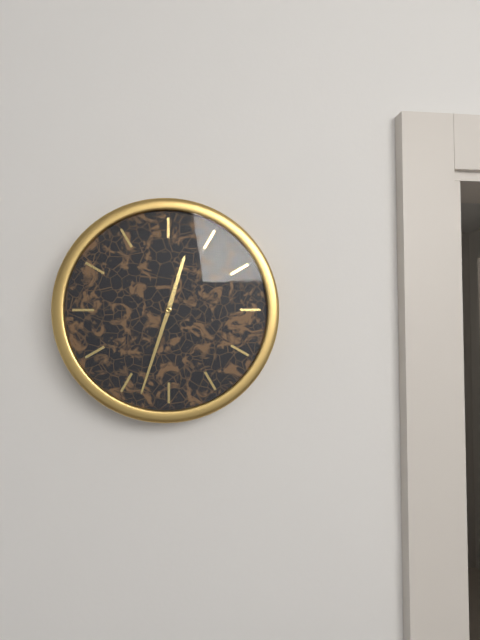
12:33
